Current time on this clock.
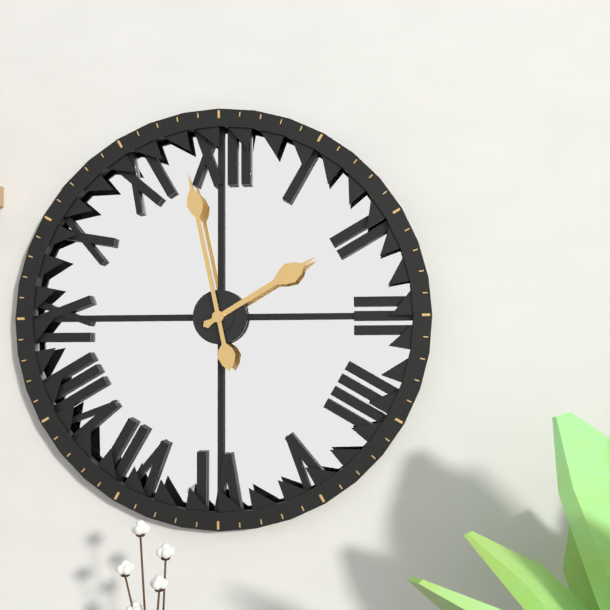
1:58
